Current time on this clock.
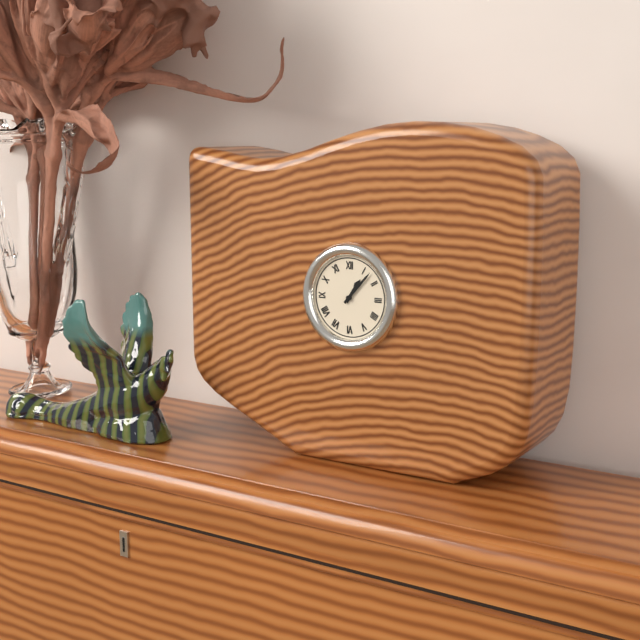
1:07
